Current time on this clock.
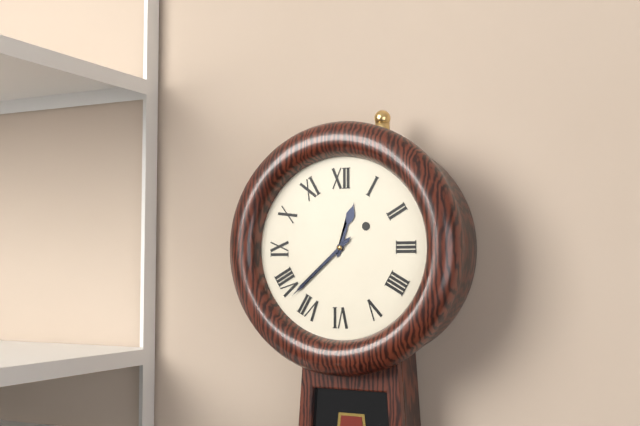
12:38
